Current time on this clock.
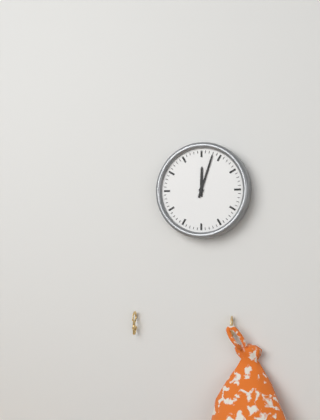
12:03
